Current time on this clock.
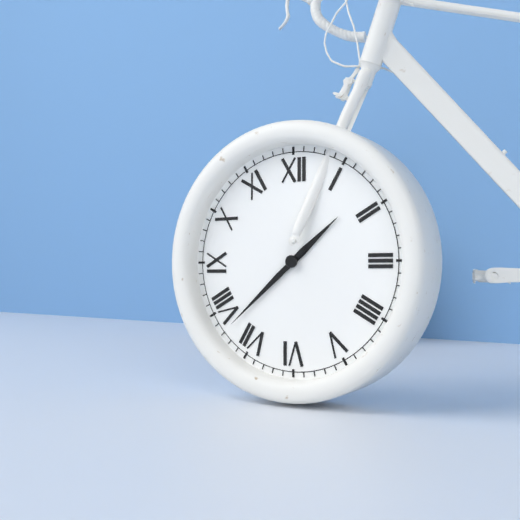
1:38
